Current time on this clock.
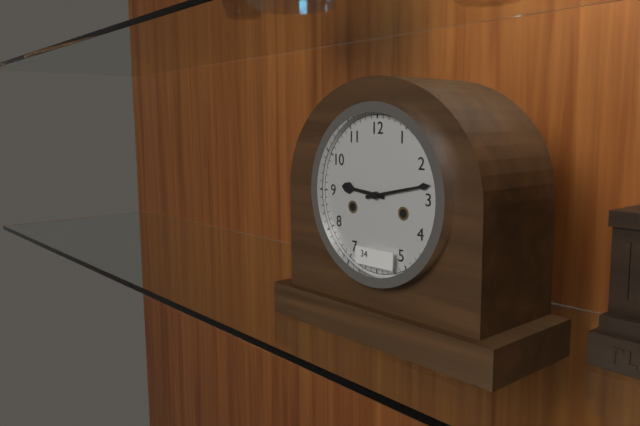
9:13
